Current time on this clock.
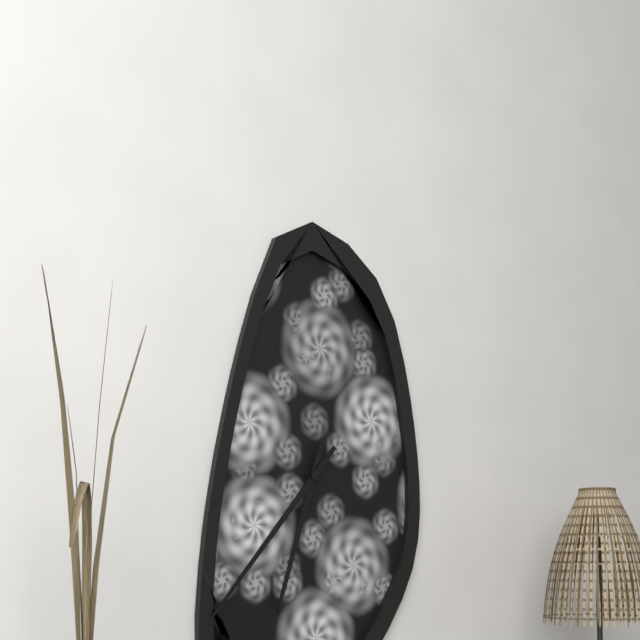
6:37
